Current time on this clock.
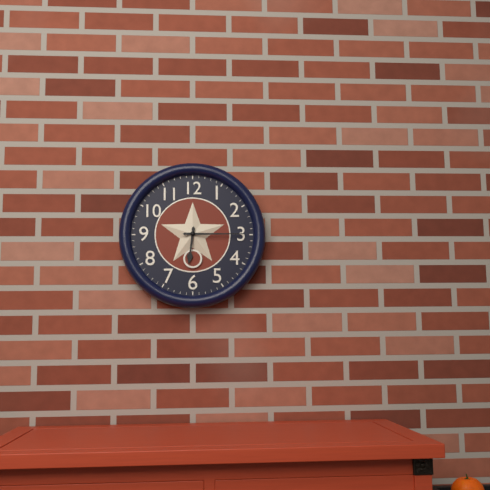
6:15
